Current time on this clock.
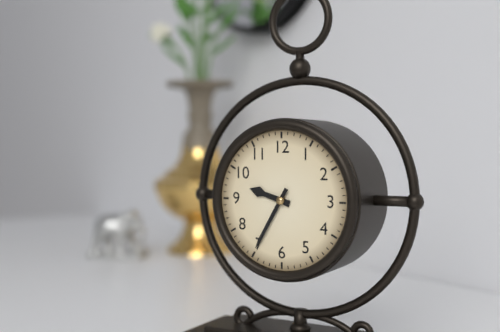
9:35
